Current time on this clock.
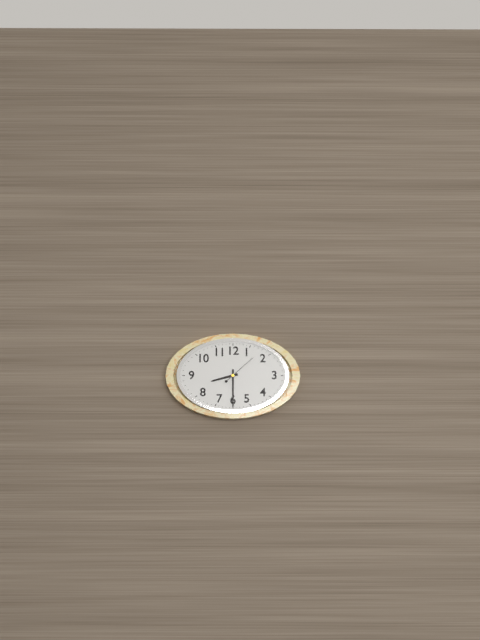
8:30
